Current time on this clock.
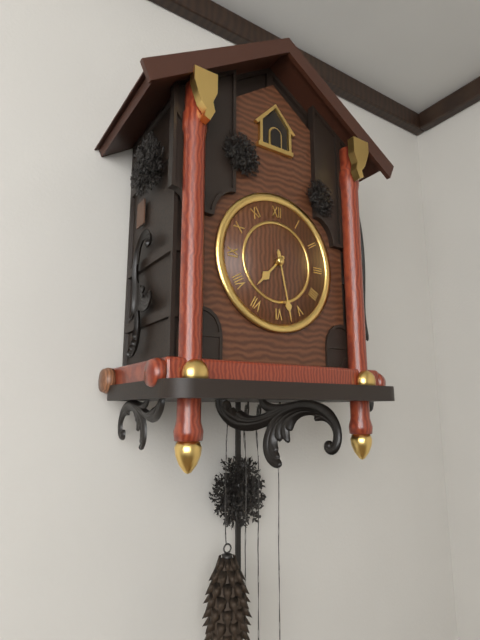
7:28
